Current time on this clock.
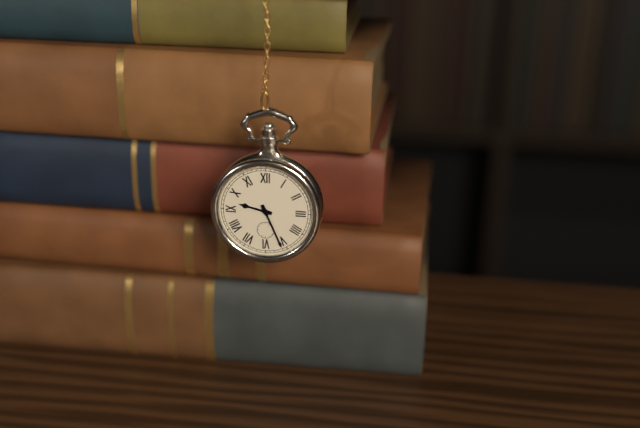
9:26
